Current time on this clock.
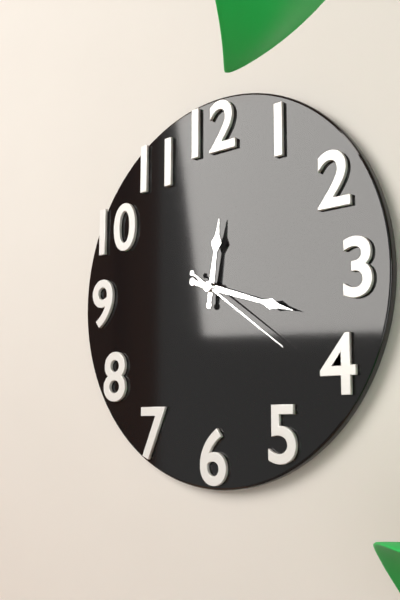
12:18:21
